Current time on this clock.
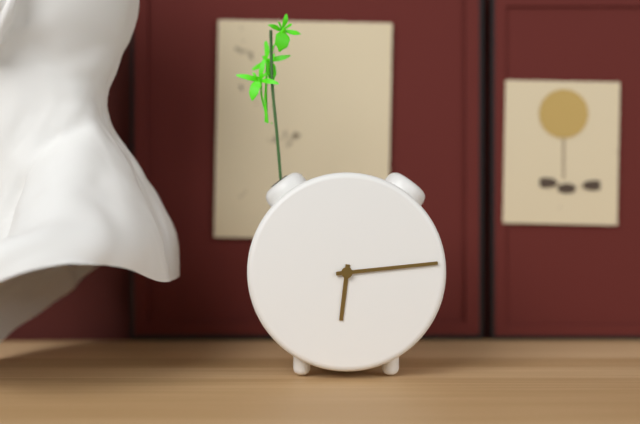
6:14
